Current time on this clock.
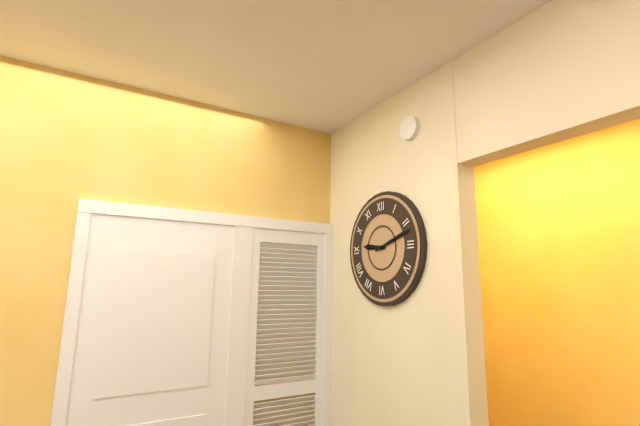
9:12
